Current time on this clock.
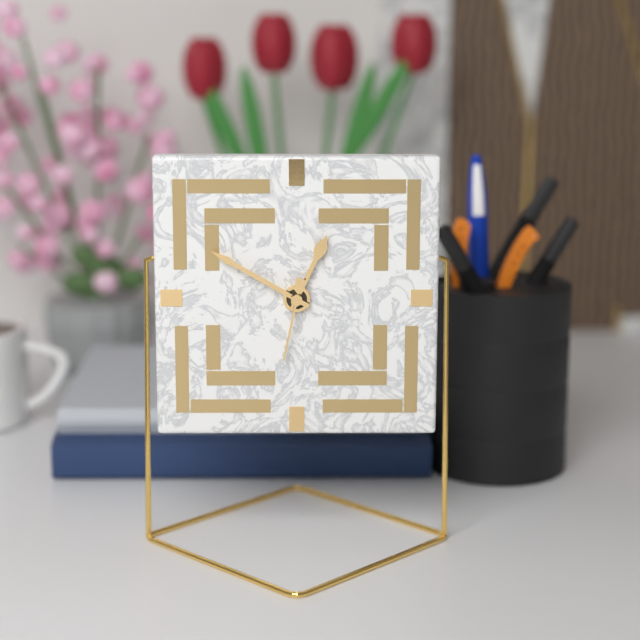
12:50:32
